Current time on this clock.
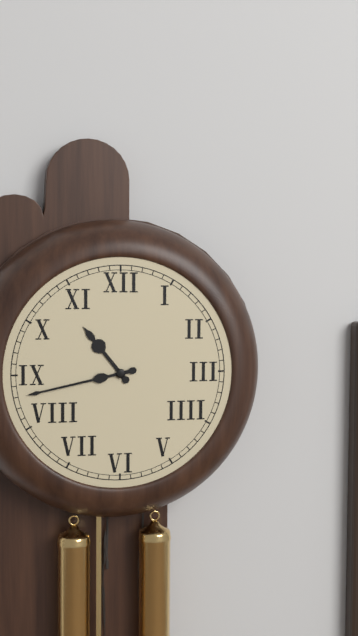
10:43
